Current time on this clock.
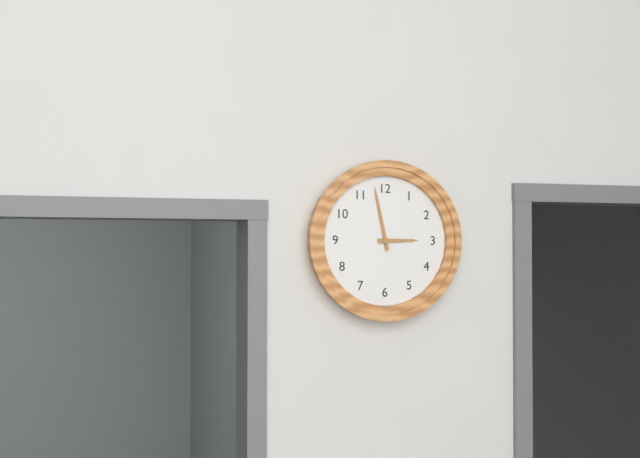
2:58
